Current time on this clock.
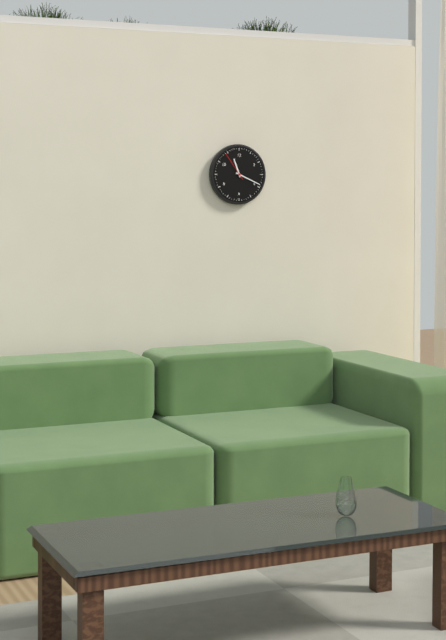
11:19
